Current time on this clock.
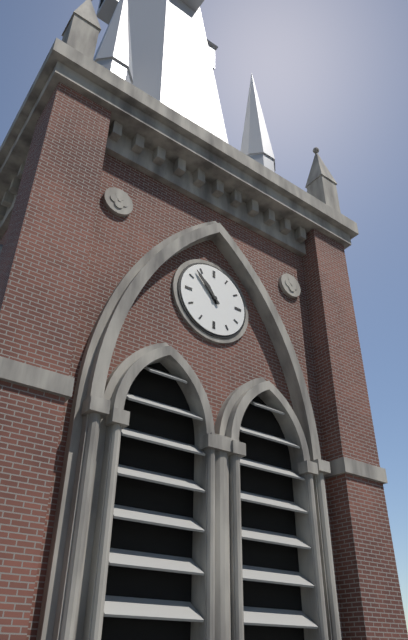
10:53
